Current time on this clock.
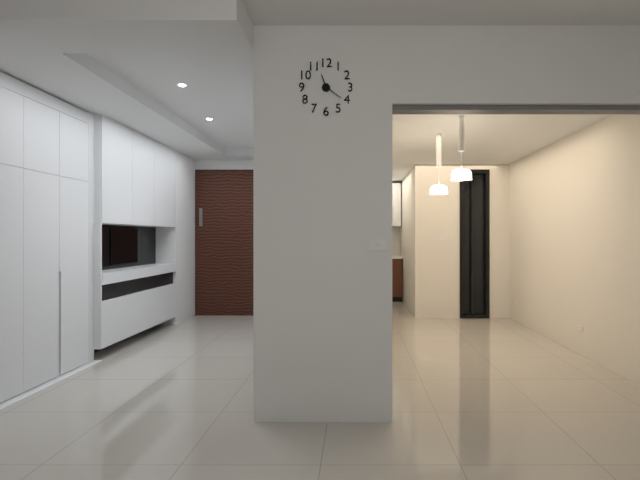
11:21
